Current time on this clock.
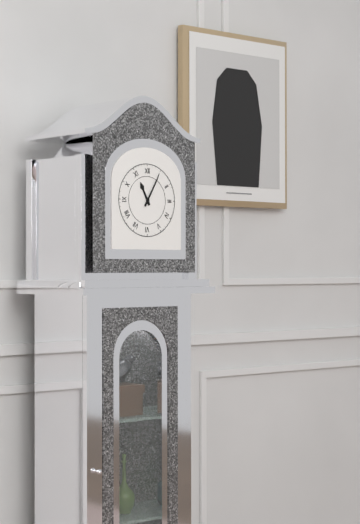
11:05
